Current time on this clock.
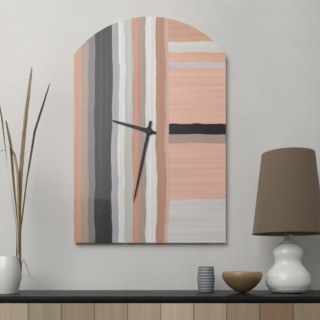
9:32
